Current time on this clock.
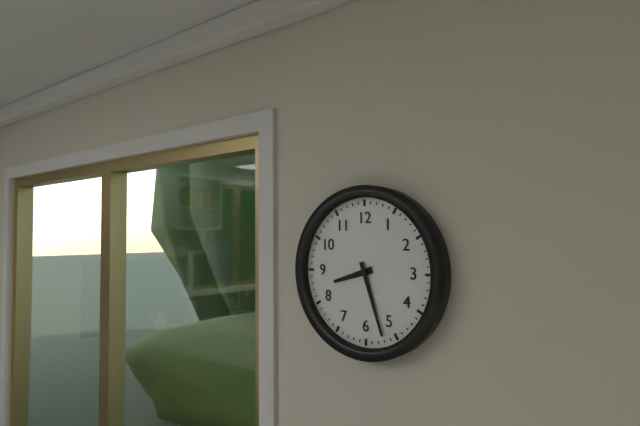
8:27
